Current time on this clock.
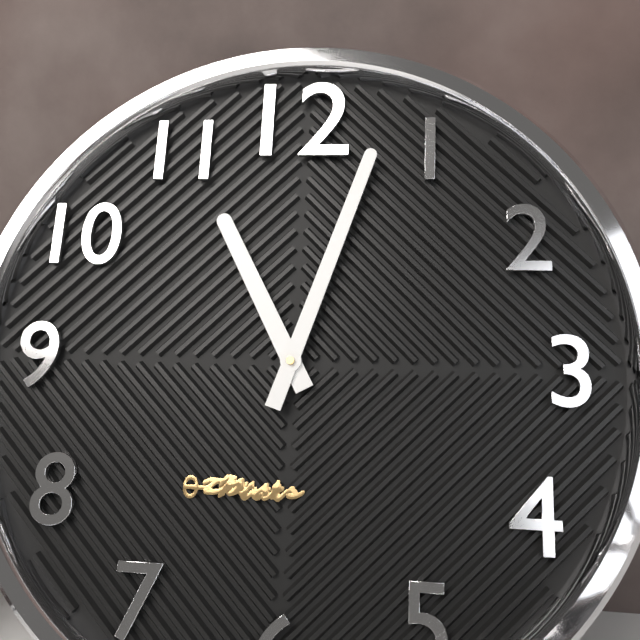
11:03
